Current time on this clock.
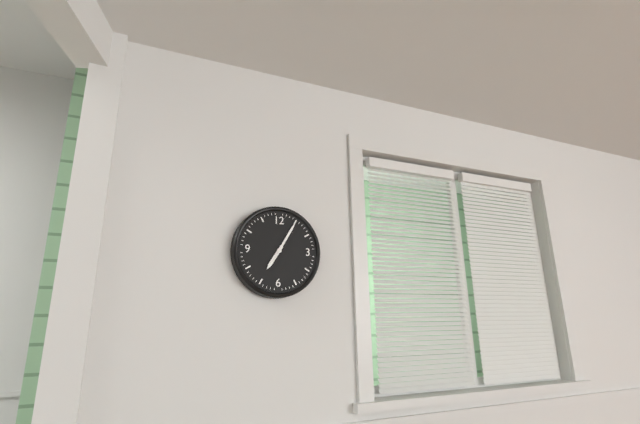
7:05
